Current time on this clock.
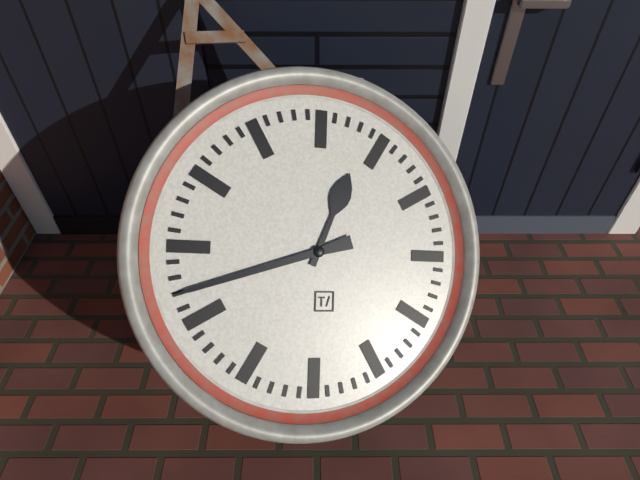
12:42
